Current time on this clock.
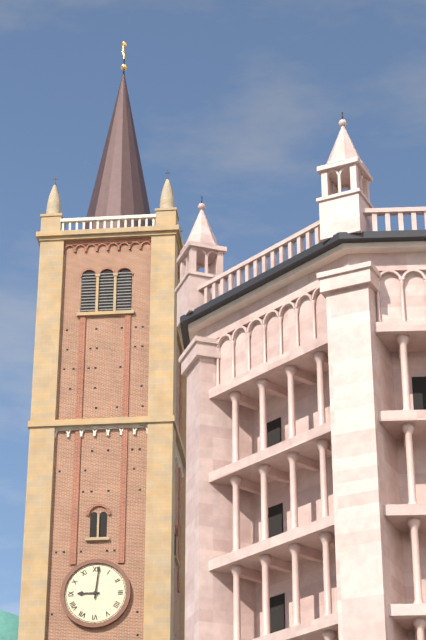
9:01
